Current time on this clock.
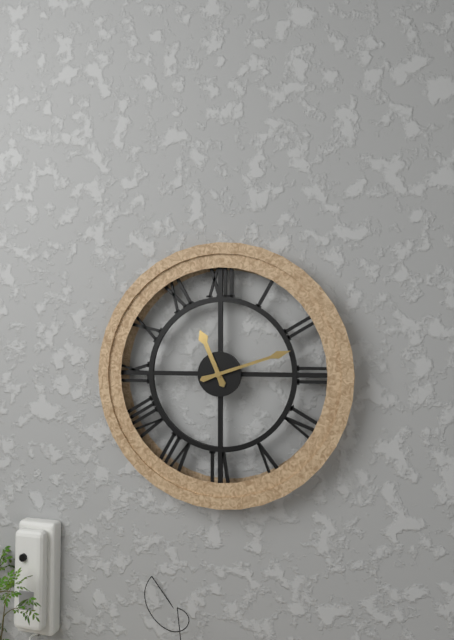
11:12
